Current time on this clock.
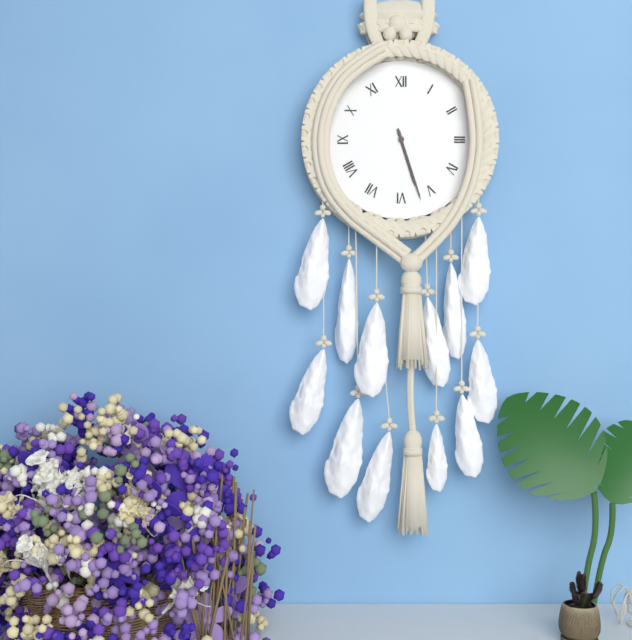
5:27
